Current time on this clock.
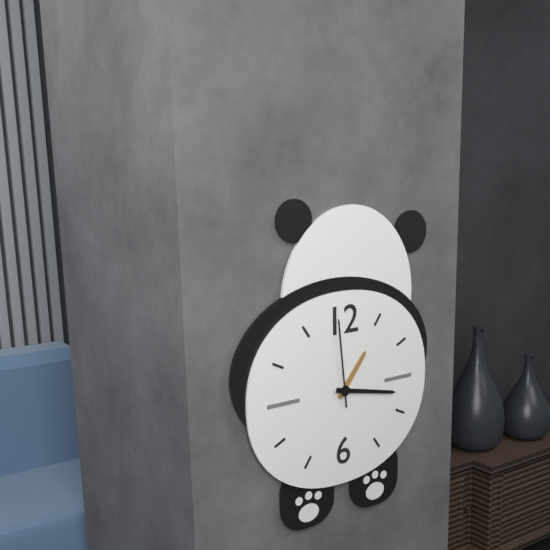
1:17:59
